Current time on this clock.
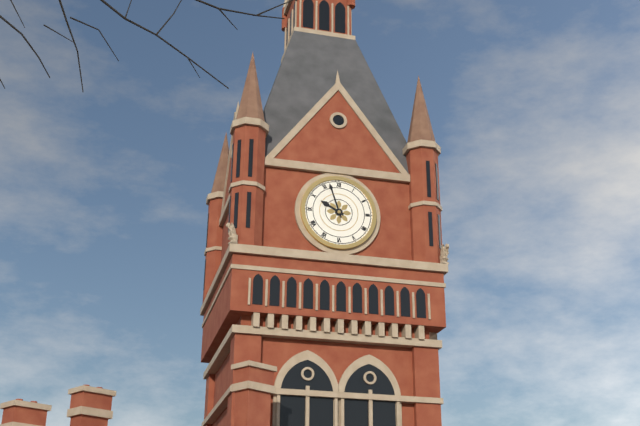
9:57
